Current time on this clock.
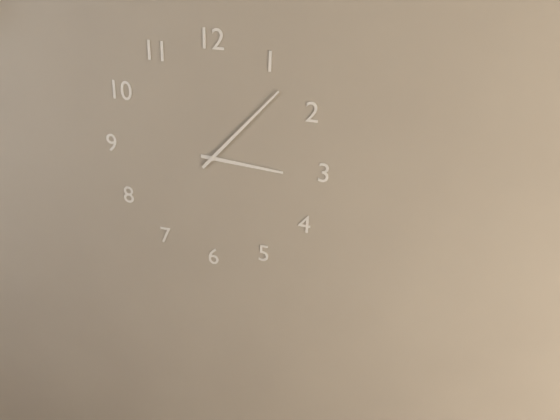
3:07
